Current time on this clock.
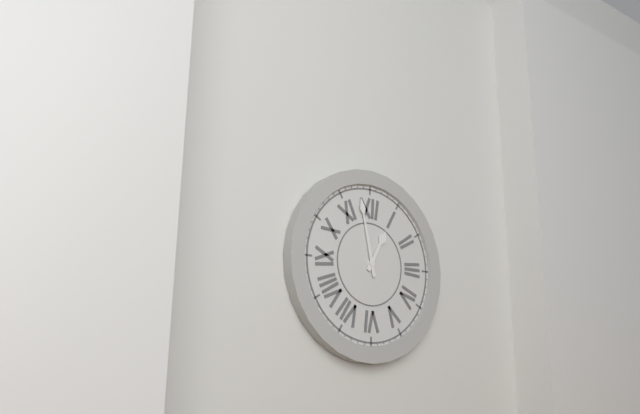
12:58
